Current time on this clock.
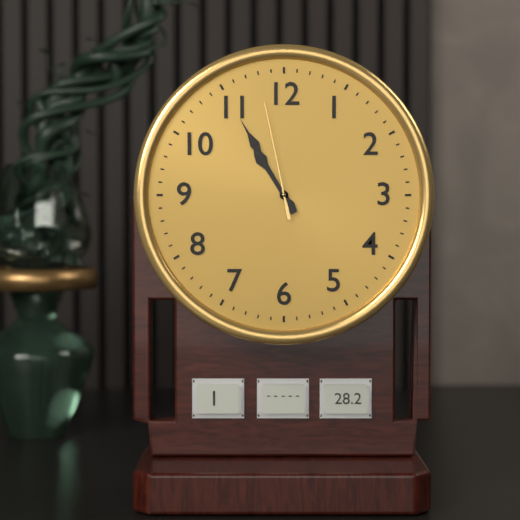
10:55:58
